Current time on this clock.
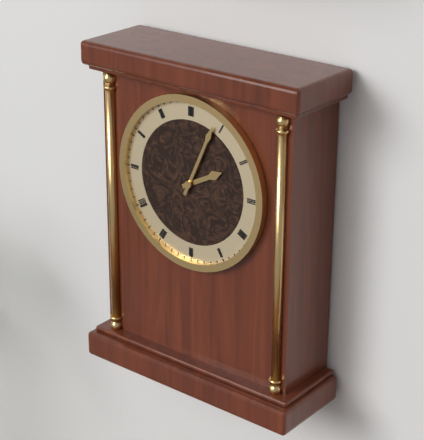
2:04
